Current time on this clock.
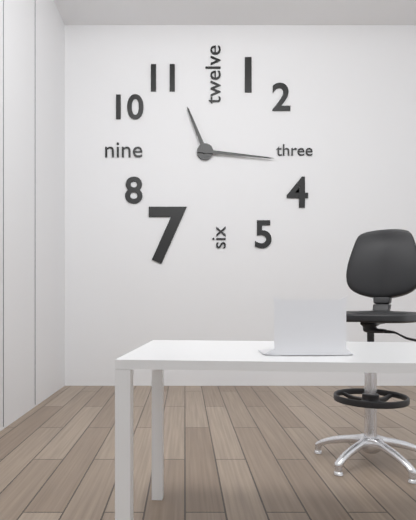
11:16
